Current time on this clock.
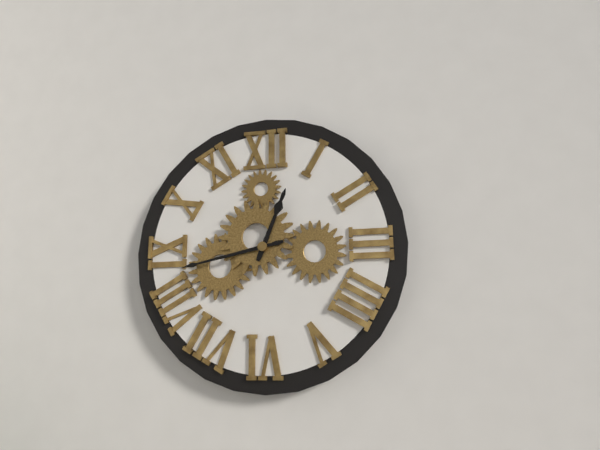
12:43
